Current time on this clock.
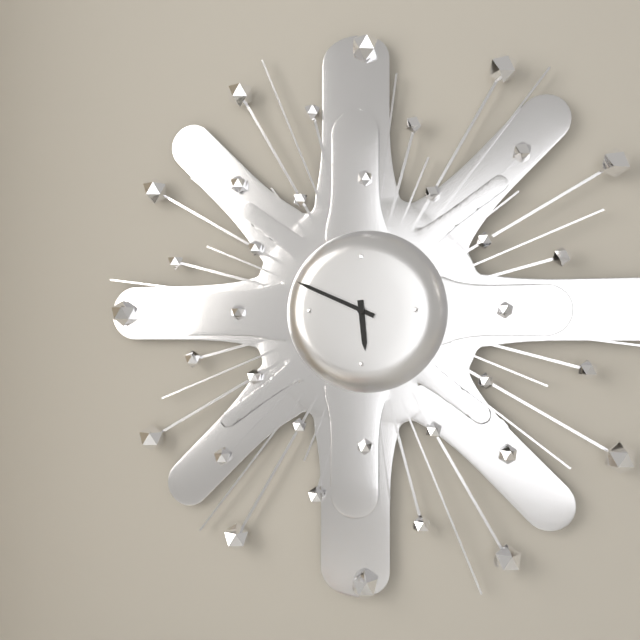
5:49
